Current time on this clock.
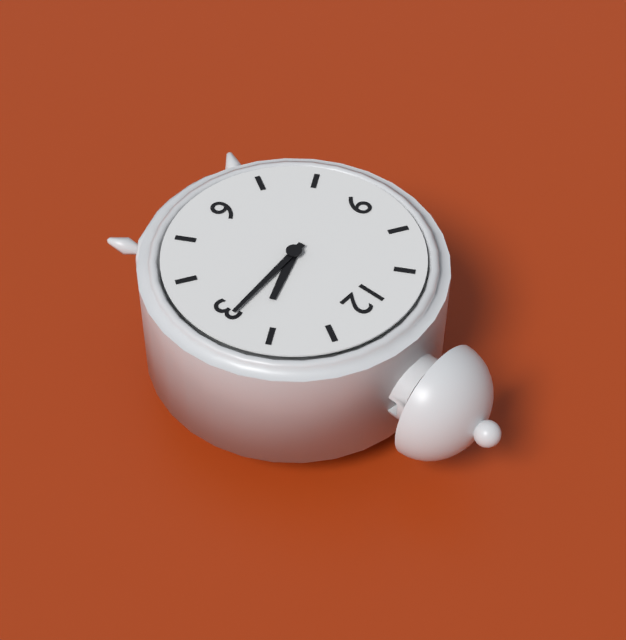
2:14
